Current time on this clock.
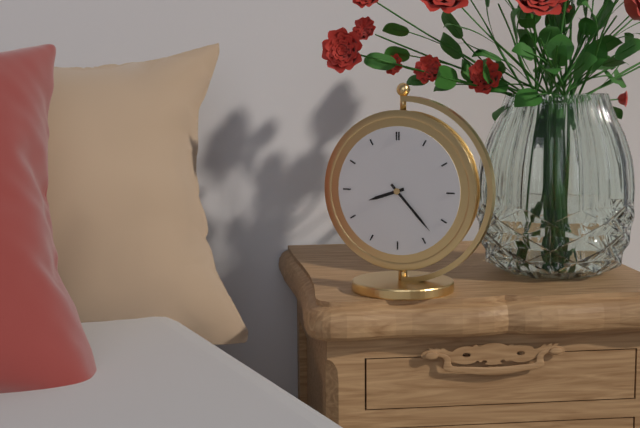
8:23
